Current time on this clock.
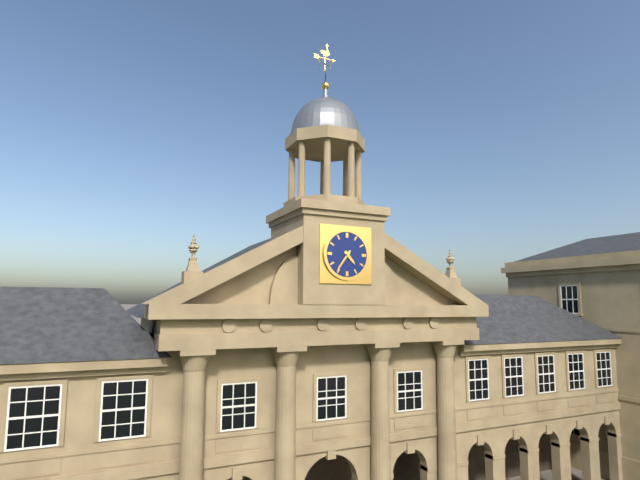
4:36
